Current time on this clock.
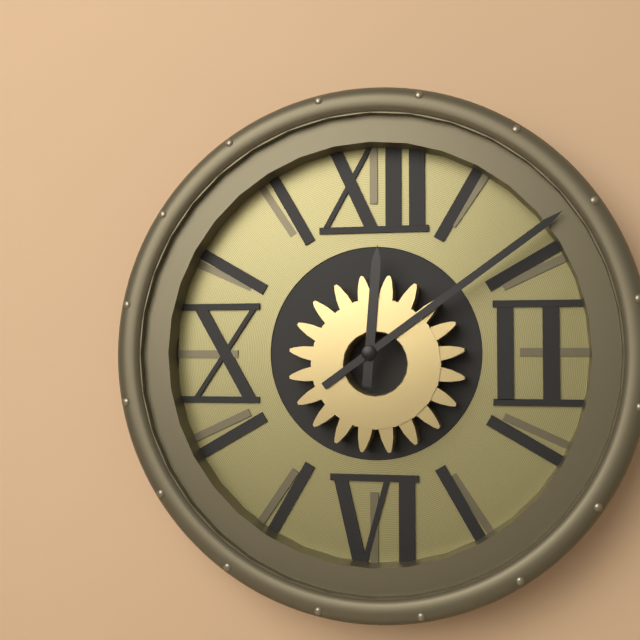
12:09
